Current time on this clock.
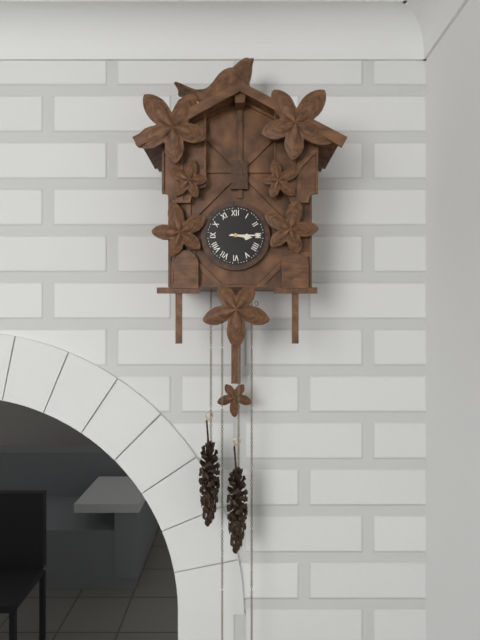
3:15
